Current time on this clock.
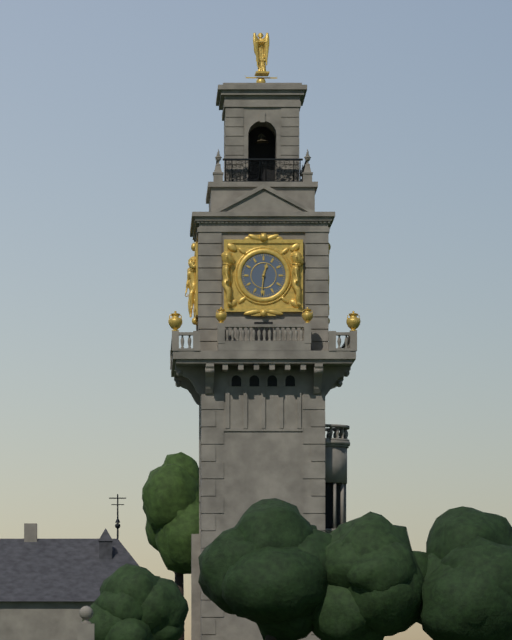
12:31
